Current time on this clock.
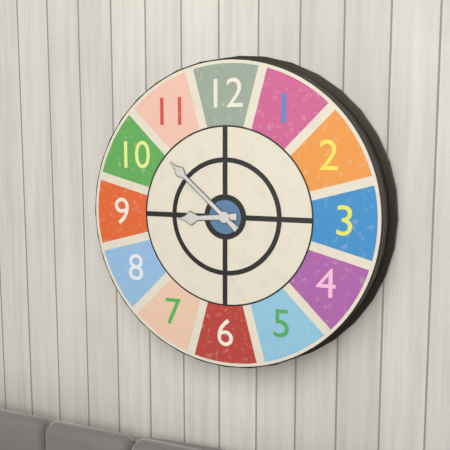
8:52
